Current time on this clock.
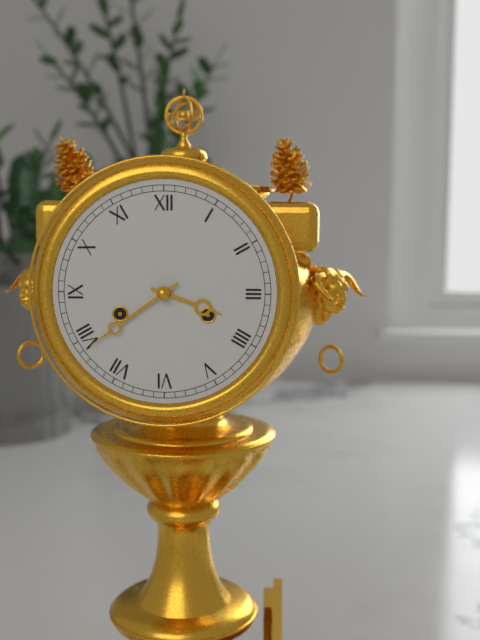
3:39
